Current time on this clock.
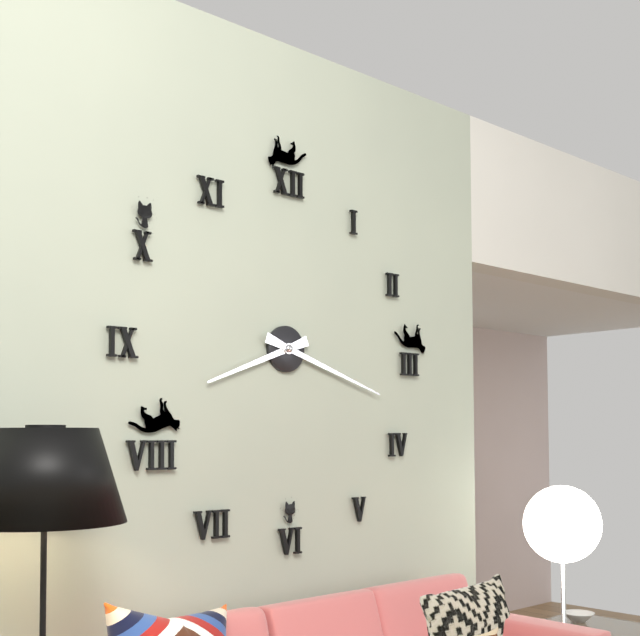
8:18
